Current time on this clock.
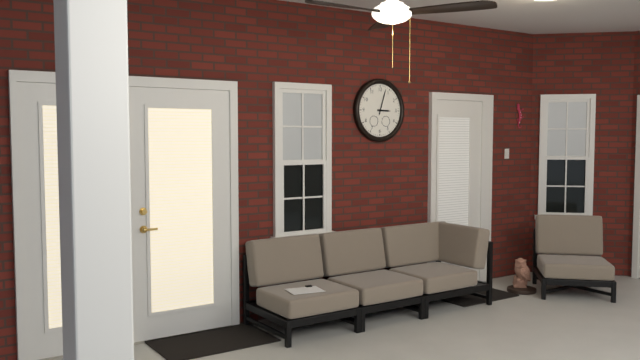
3:03
